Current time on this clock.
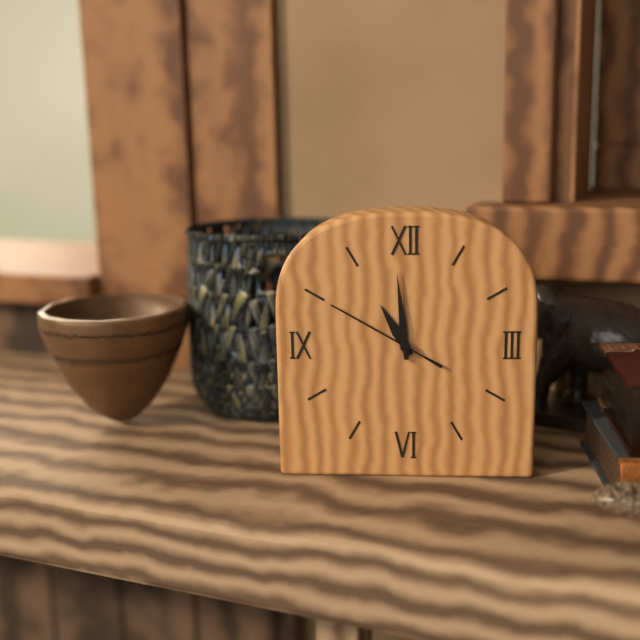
10:59:50
